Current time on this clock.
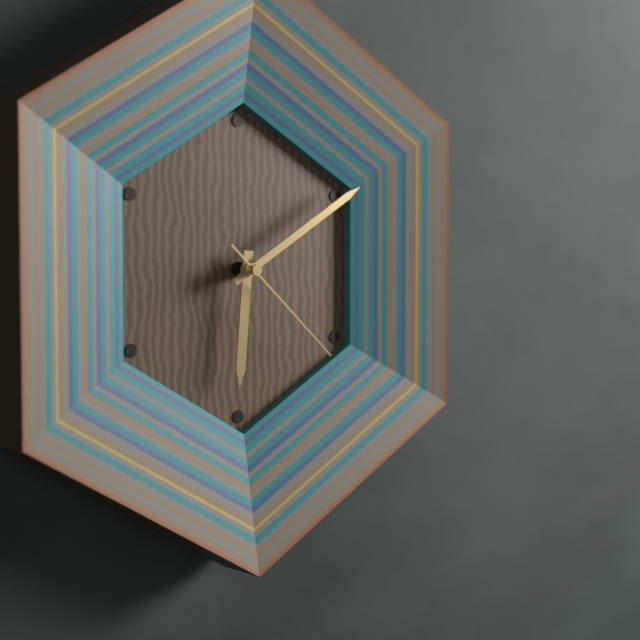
6:10:22
